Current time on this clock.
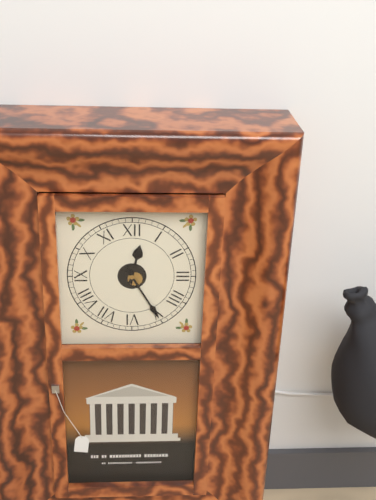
12:25
